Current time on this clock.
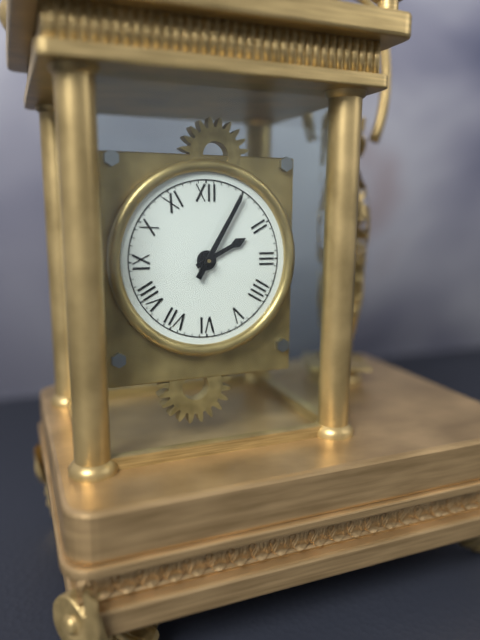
2:05
